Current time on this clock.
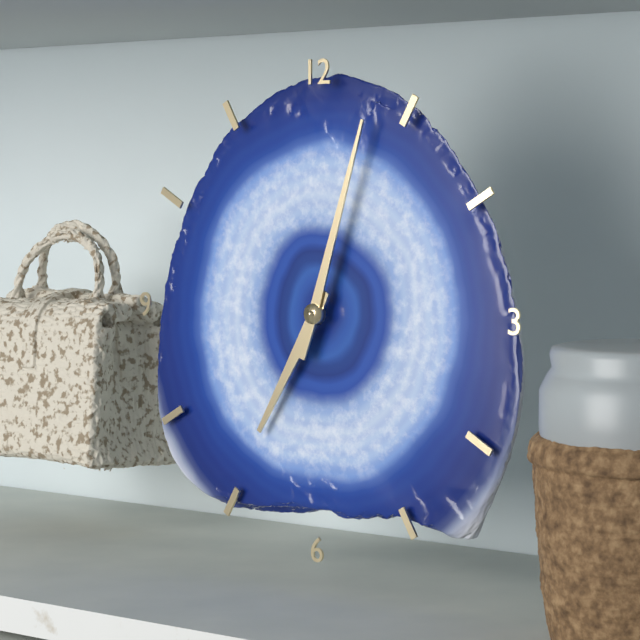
7:03
